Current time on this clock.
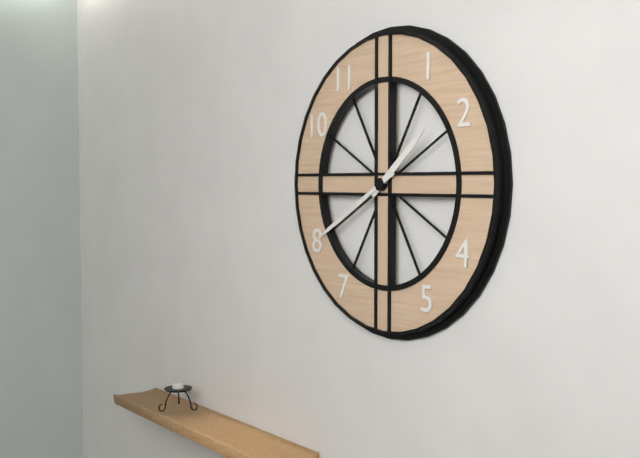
1:40
